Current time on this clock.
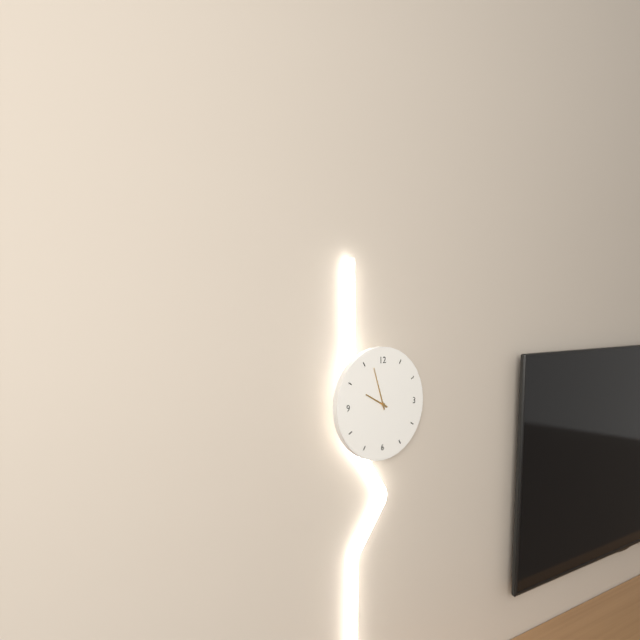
9:57
